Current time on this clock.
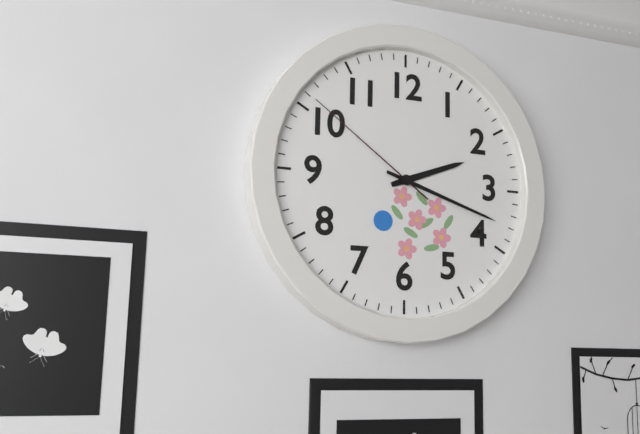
2:18:51
